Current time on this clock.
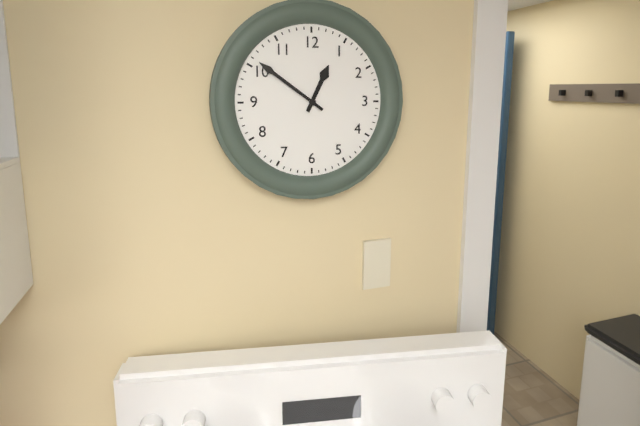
12:51
